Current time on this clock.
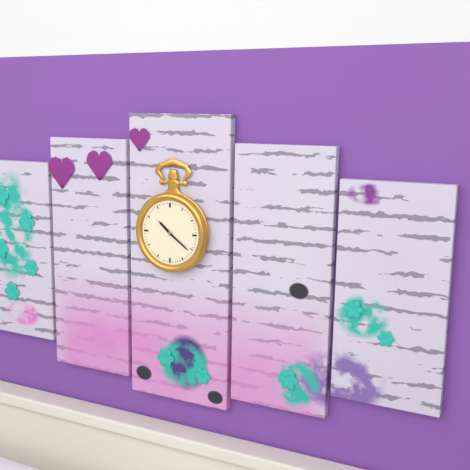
10:21
